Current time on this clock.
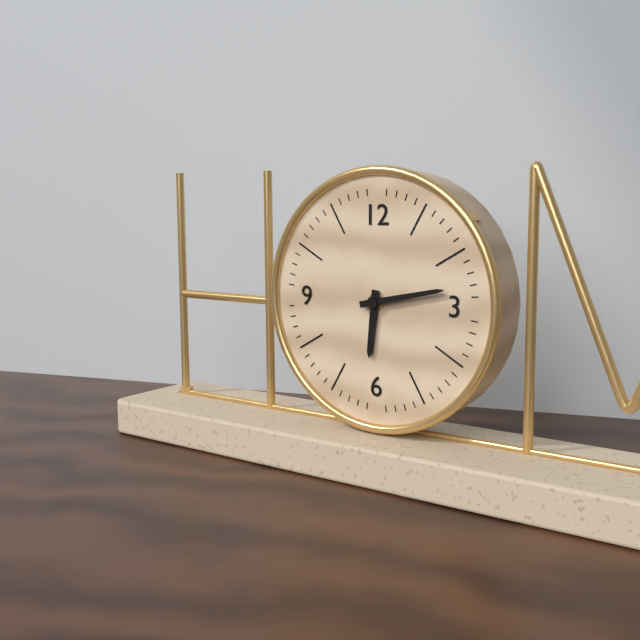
6:13
